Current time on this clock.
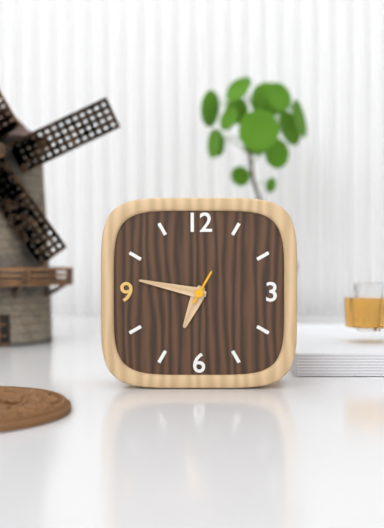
6:47
